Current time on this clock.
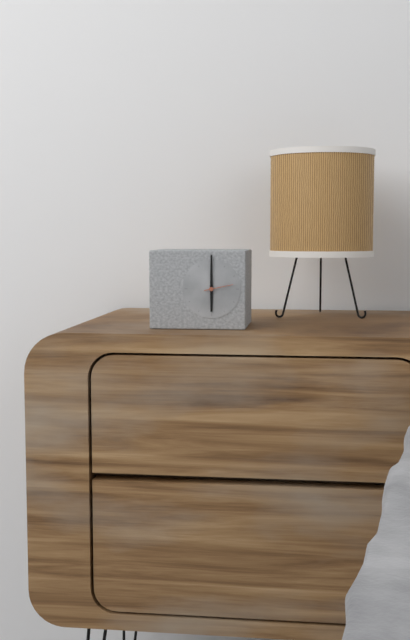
6:00
